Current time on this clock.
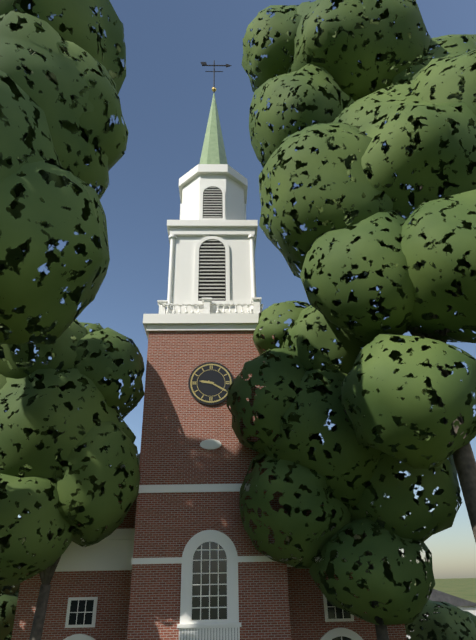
9:20
